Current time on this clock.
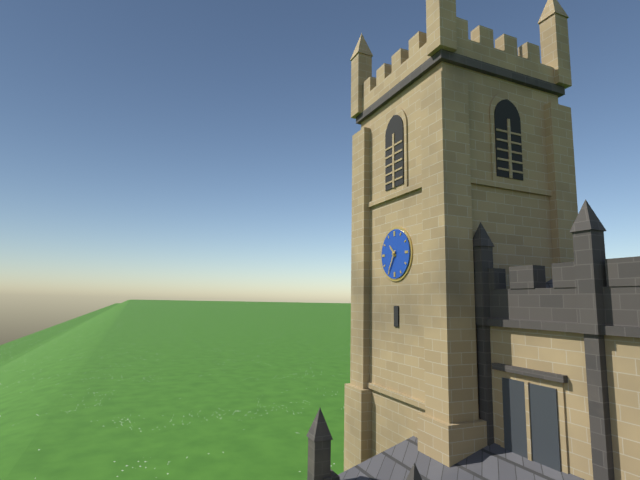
10:35
